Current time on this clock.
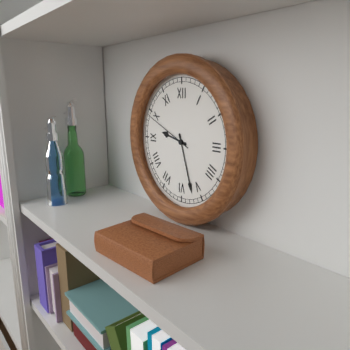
9:27:49
